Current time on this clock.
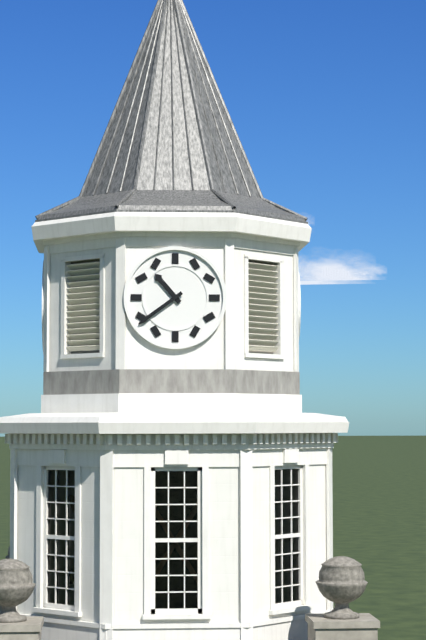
10:39
